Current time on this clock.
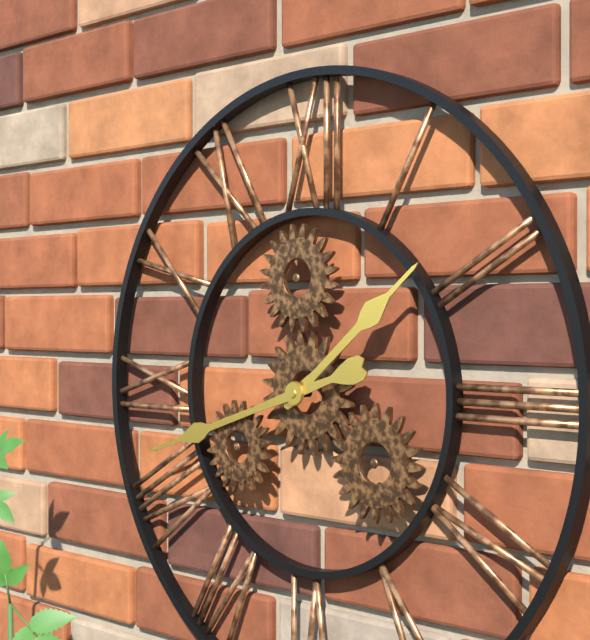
1:42
